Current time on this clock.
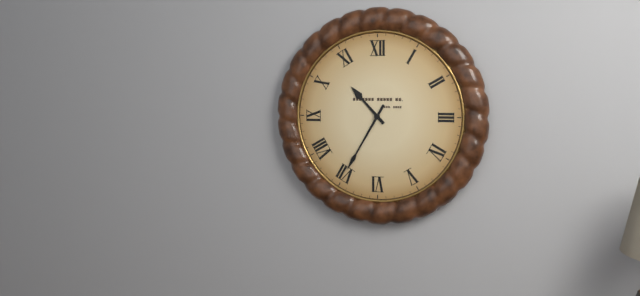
10:35
